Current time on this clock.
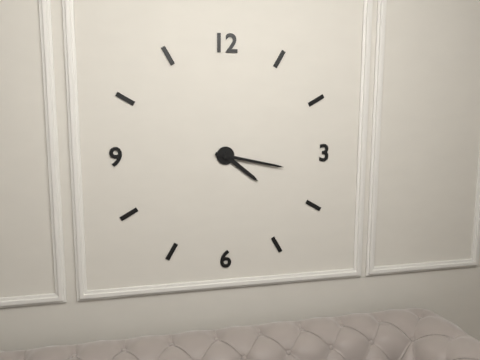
4:17
